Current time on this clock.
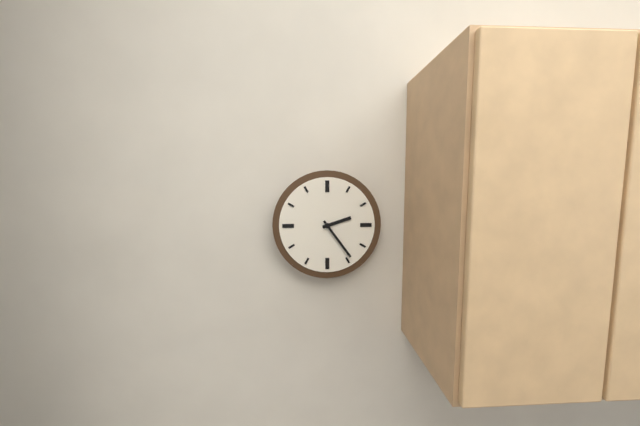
2:24
